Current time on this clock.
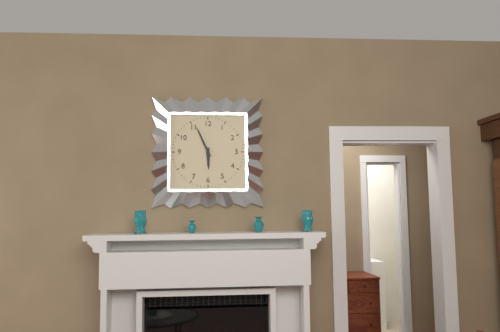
5:56
